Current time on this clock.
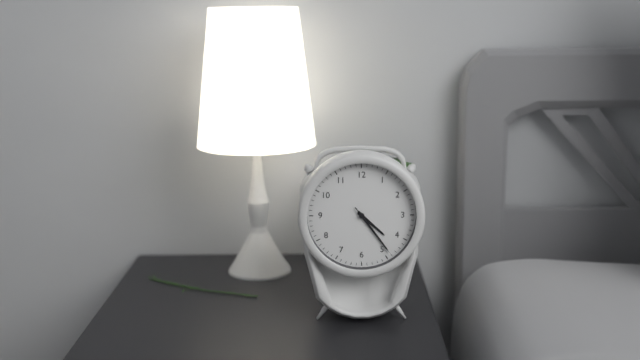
4:24:24
